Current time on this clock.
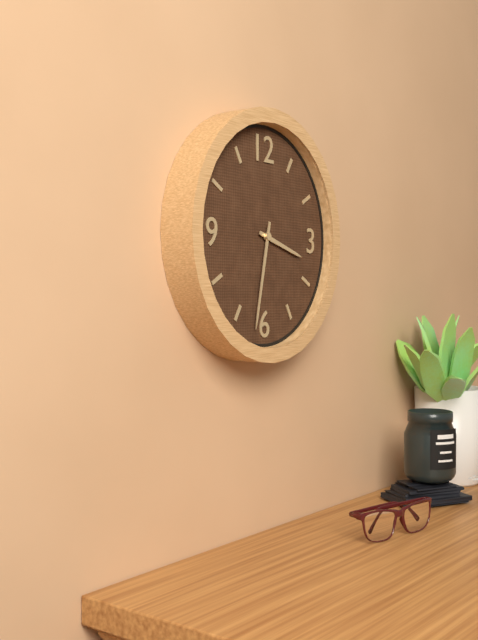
3:32
